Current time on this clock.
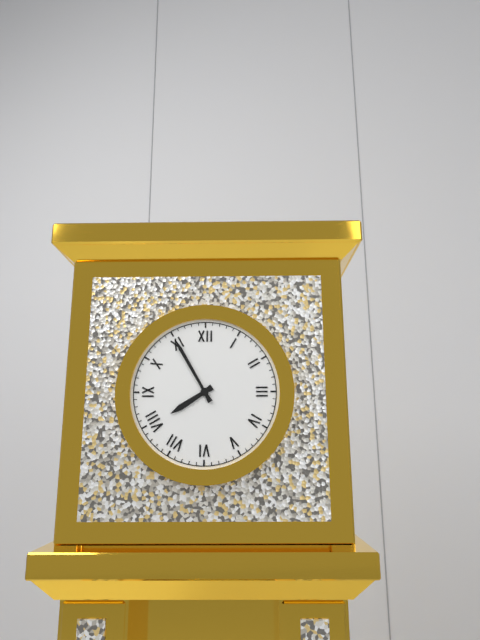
7:55
